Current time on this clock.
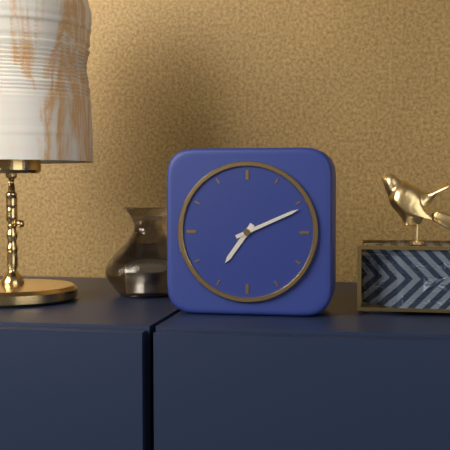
7:11
